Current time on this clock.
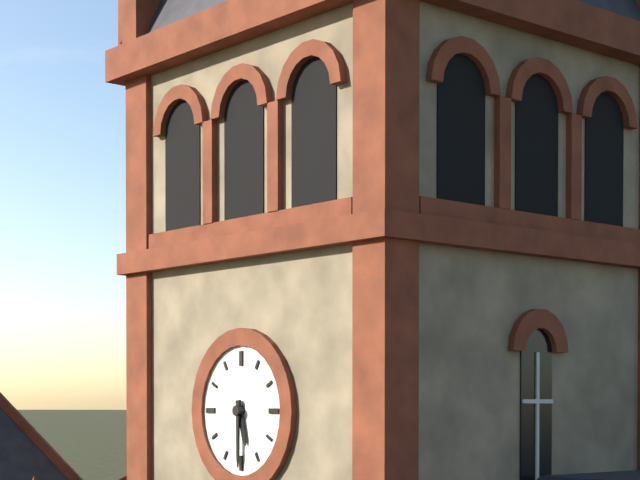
5:30
